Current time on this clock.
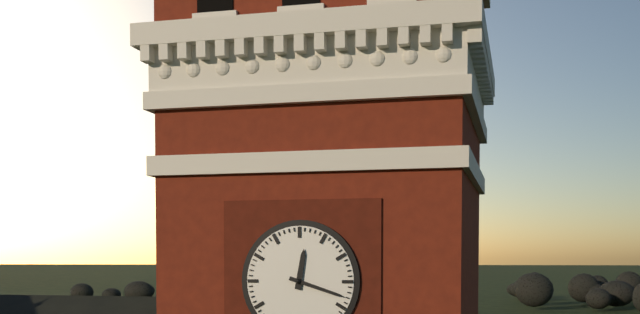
12:18
